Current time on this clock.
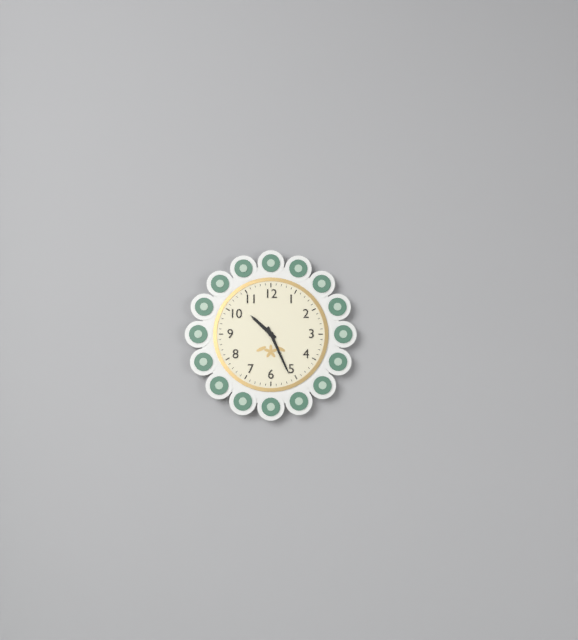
10:26
